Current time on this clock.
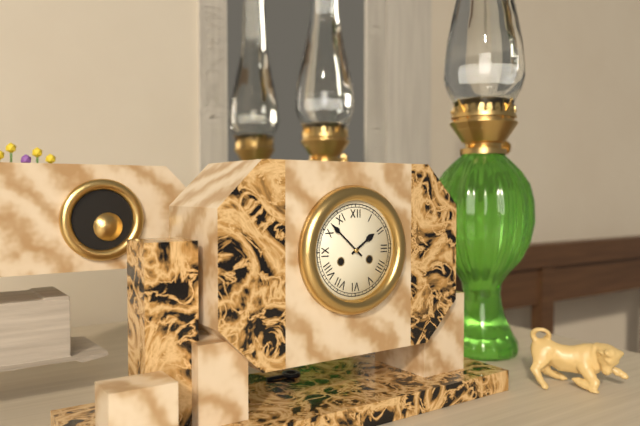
1:52
